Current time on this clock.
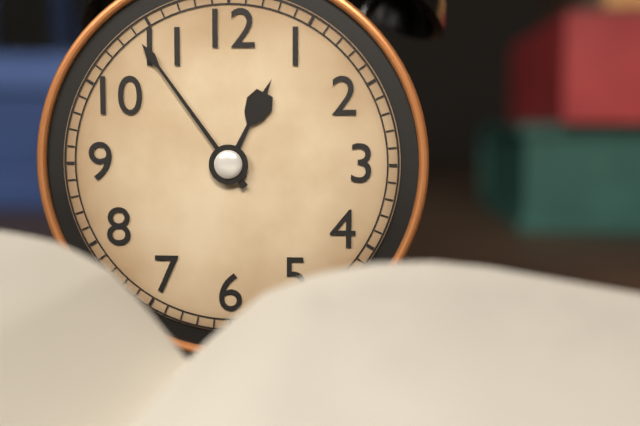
12:54
